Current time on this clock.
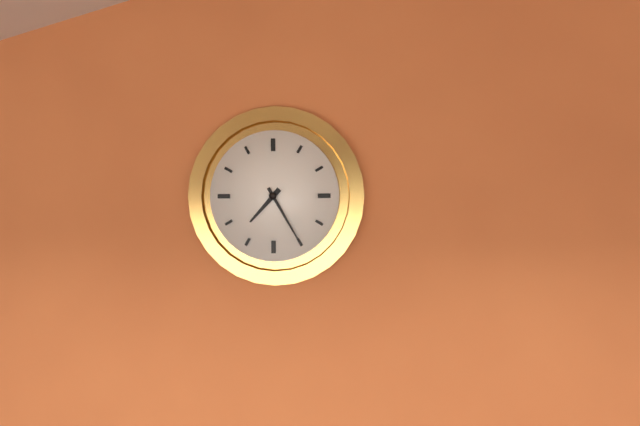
7:25
